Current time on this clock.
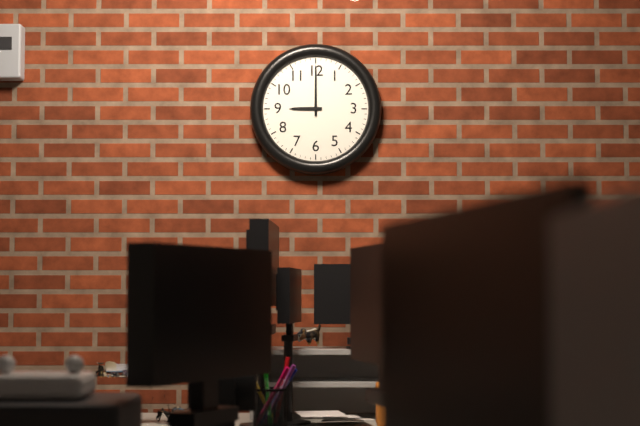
9:00
